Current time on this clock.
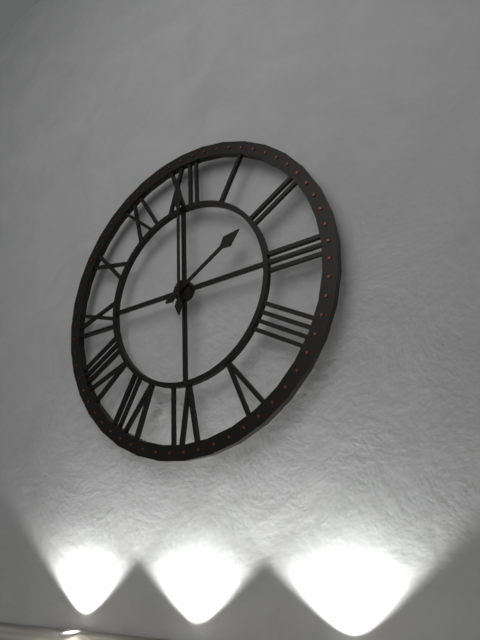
2:00
